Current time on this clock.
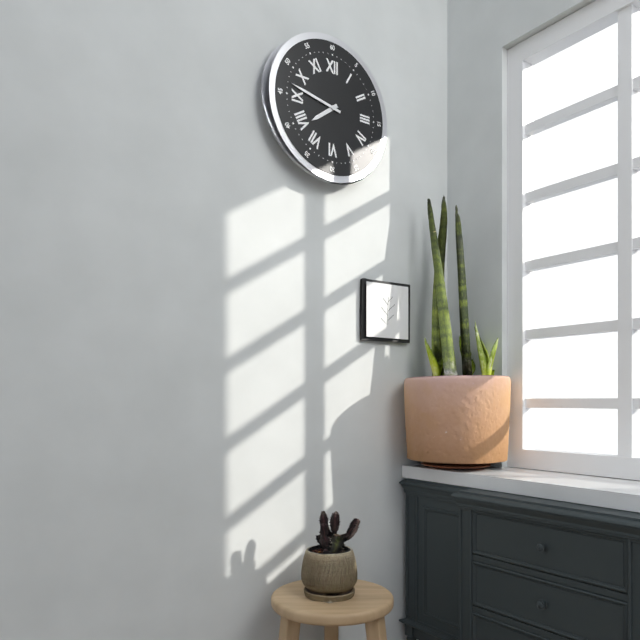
7:47
